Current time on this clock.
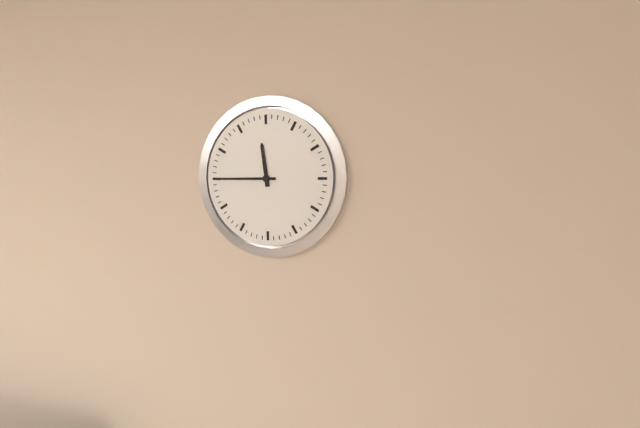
11:45
